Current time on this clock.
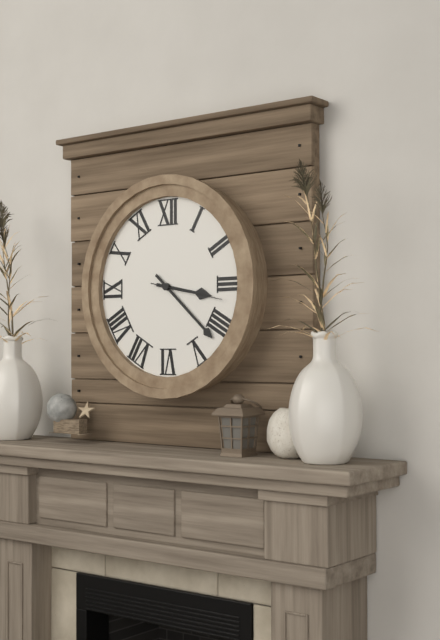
3:22:17
